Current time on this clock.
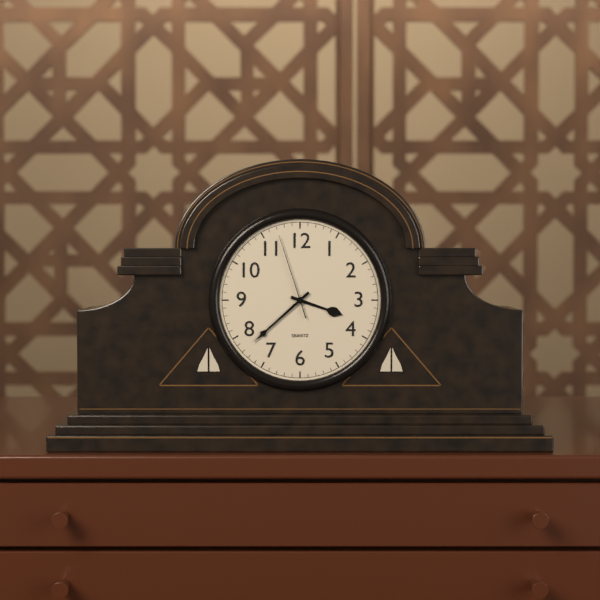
3:38:57
